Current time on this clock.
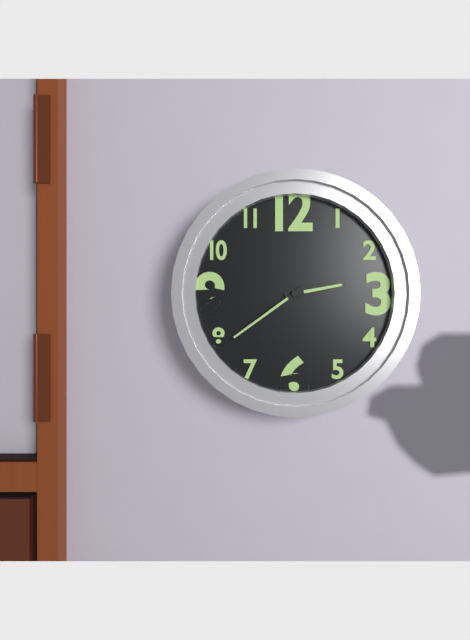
2:39
